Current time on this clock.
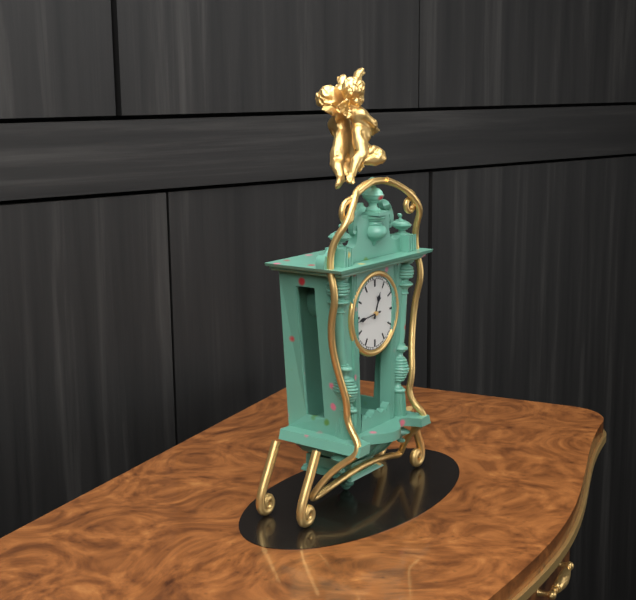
12:44
